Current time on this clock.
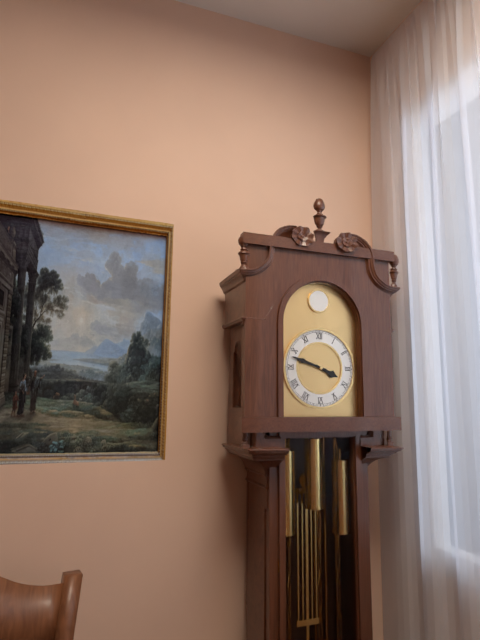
3:48
